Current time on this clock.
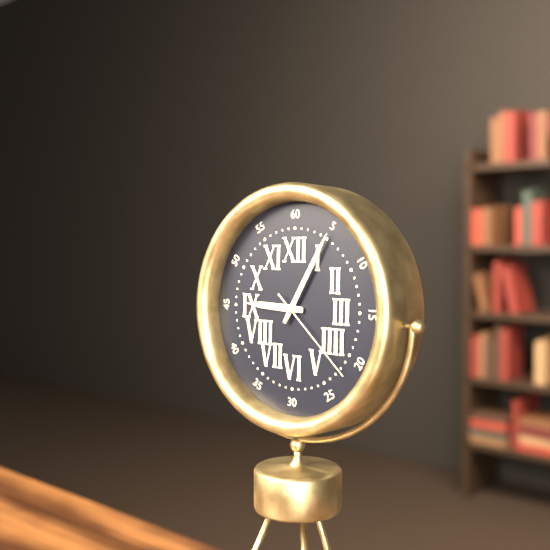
9:05:22
